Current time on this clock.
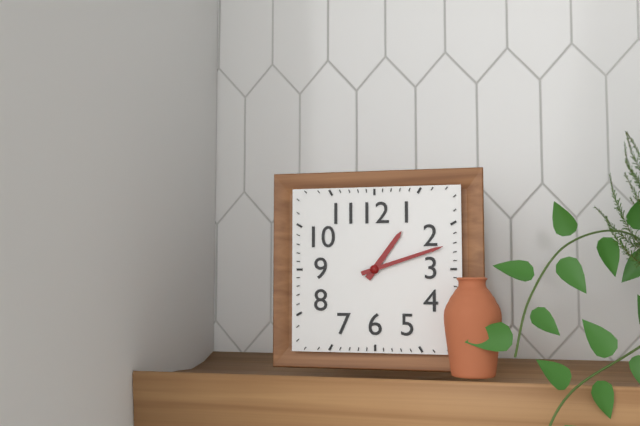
1:12
